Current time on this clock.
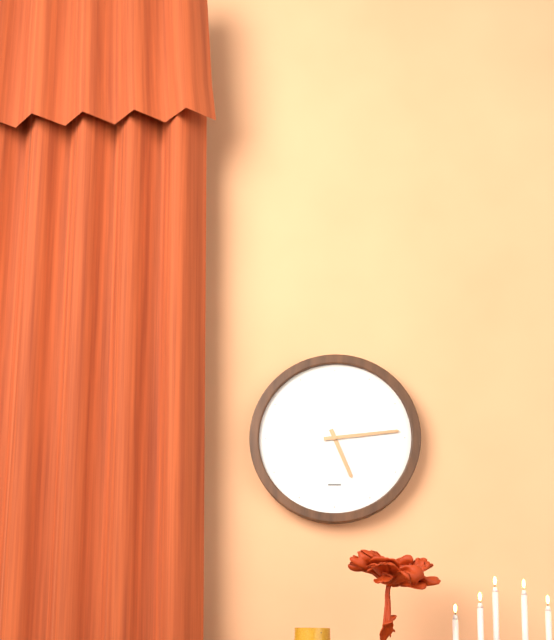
5:14
